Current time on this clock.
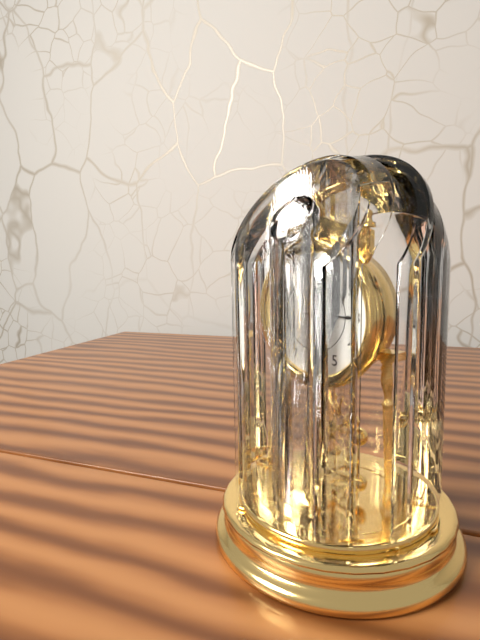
12:15
